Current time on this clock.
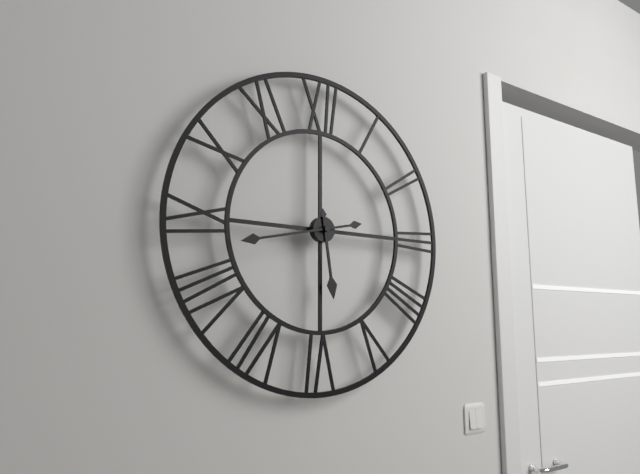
5:43
